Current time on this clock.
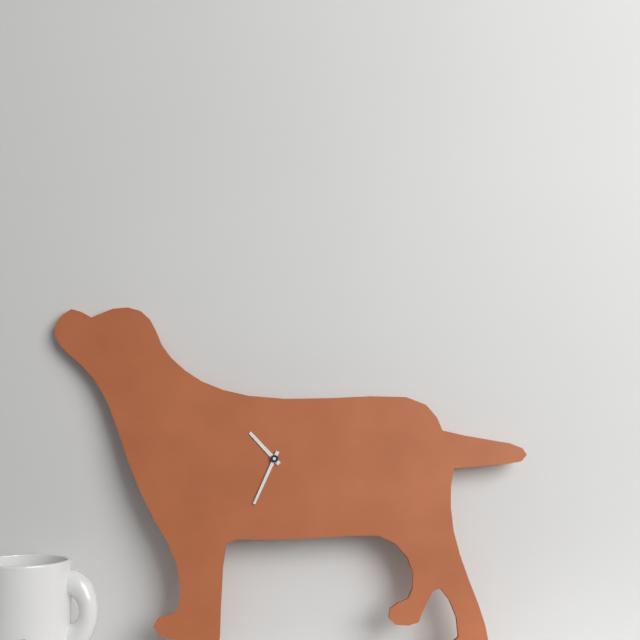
10:34
